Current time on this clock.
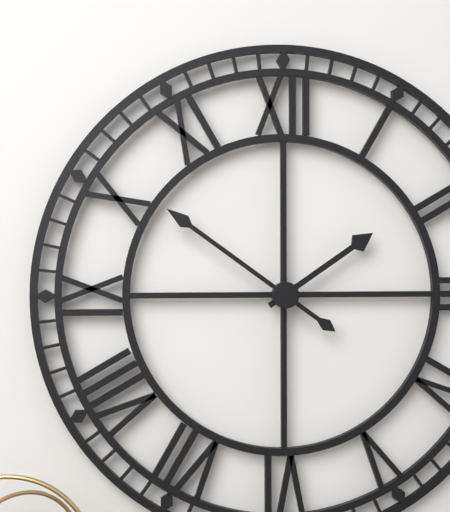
1:51
